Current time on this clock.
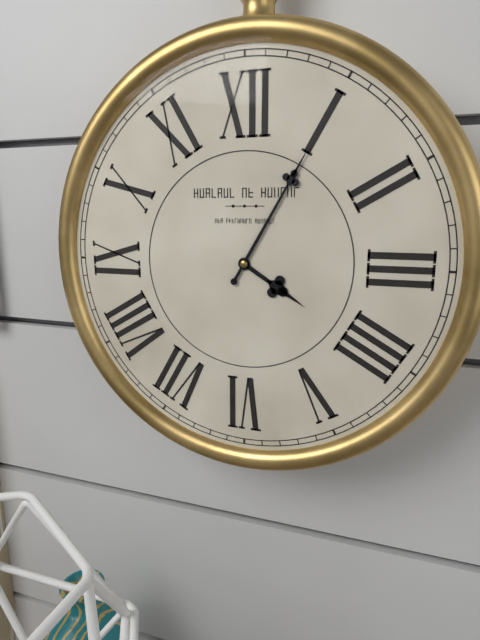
4:05
